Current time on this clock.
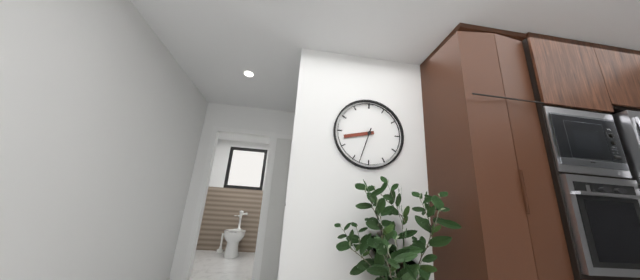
8:33
